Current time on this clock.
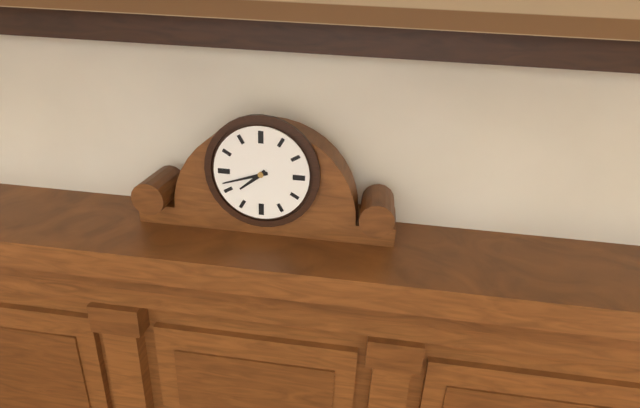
7:42
